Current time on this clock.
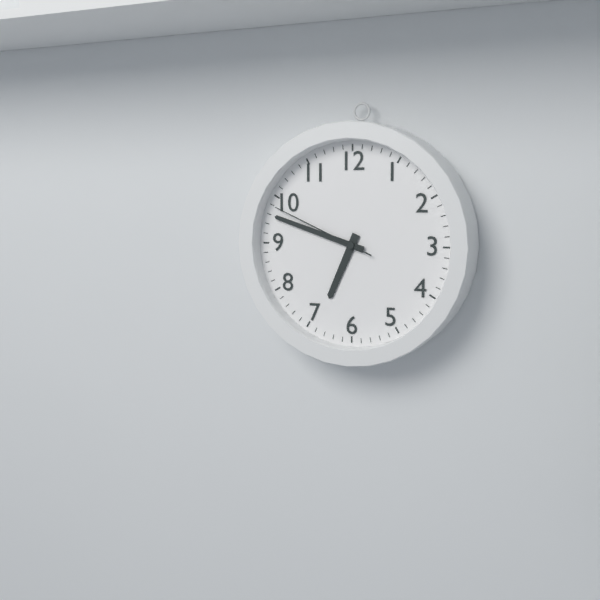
6:48:49
